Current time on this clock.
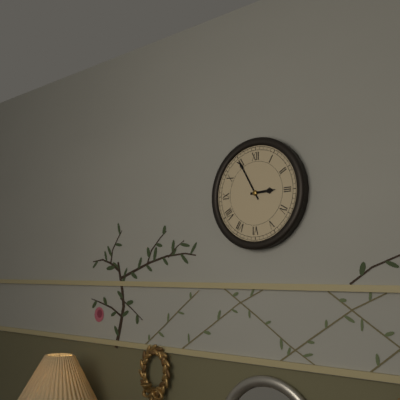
2:55
